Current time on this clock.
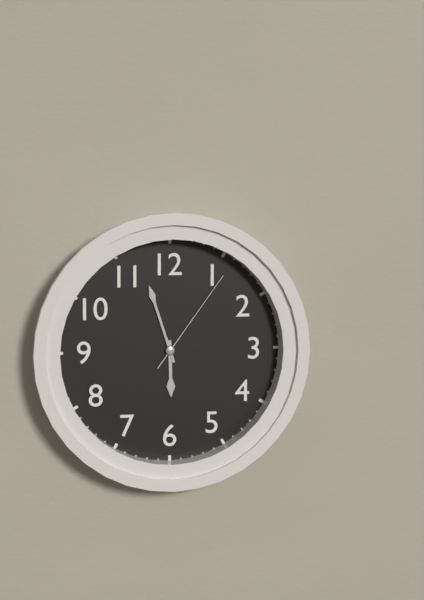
5:57:06
